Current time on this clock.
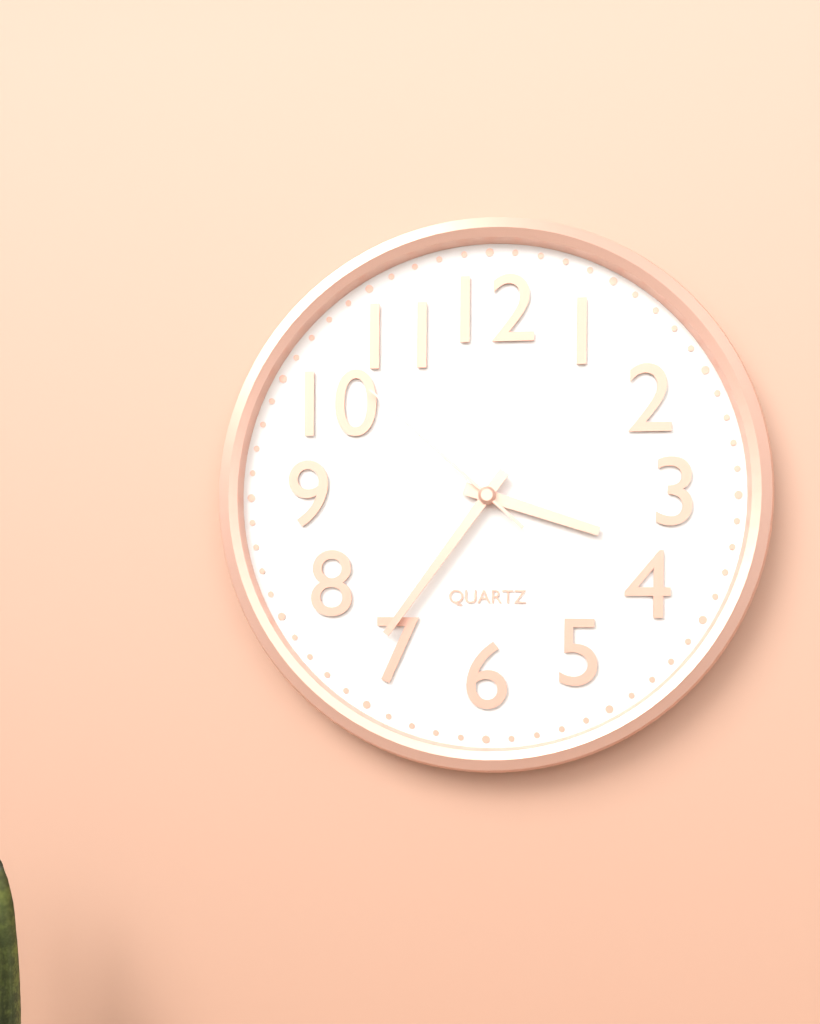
3:36:52
